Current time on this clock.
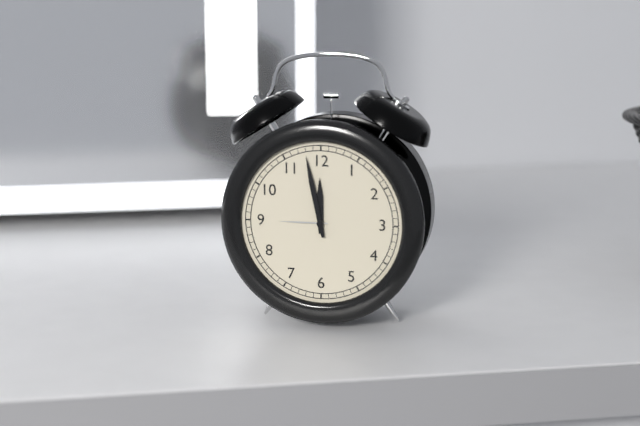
11:58
